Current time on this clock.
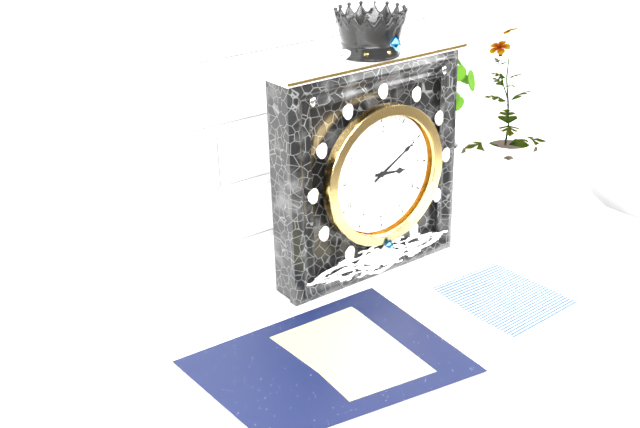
3:10
